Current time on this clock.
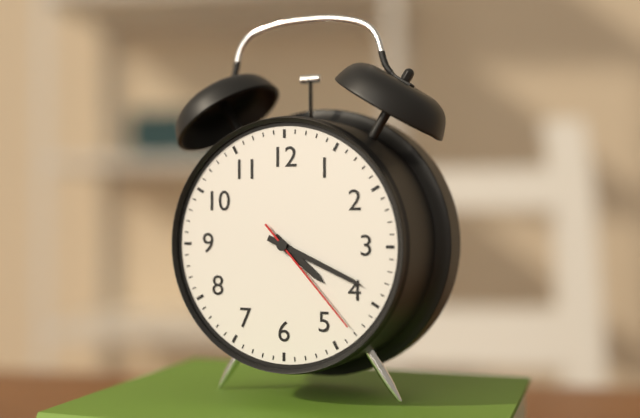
4:19:23
